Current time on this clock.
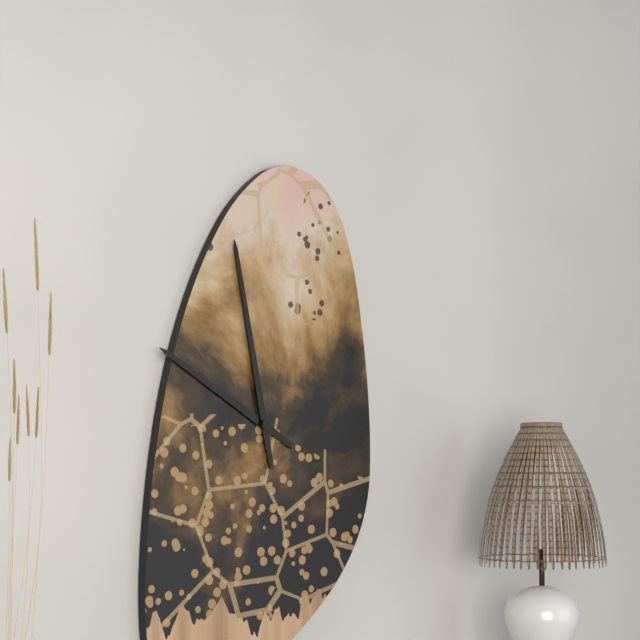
9:58
